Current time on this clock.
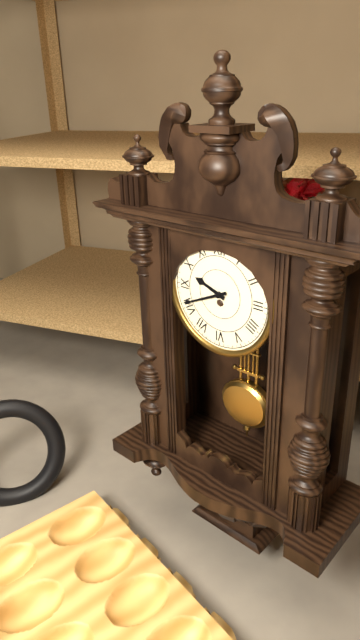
9:41
